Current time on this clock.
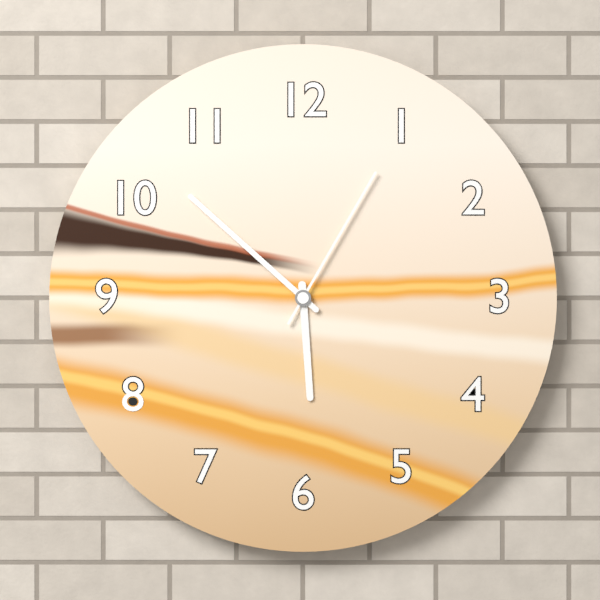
5:52:05
